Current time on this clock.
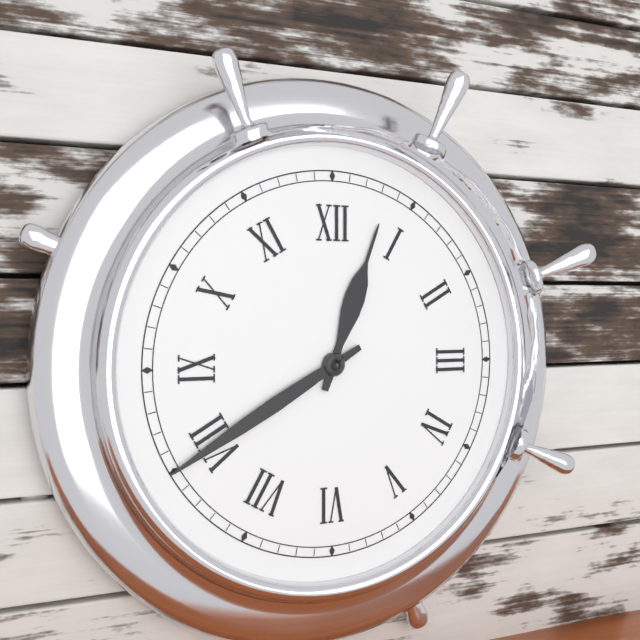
12:40
